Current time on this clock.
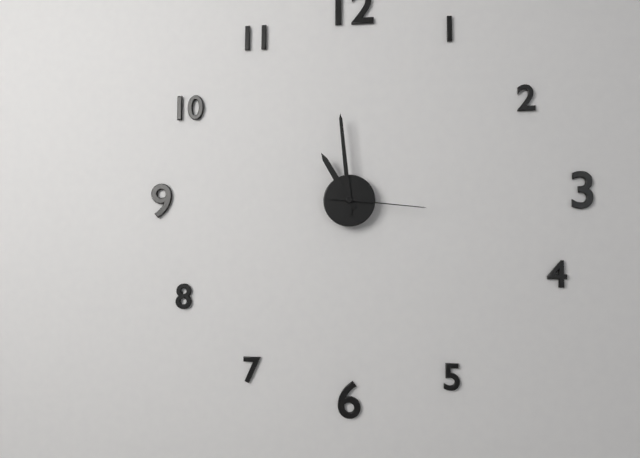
10:59:16
